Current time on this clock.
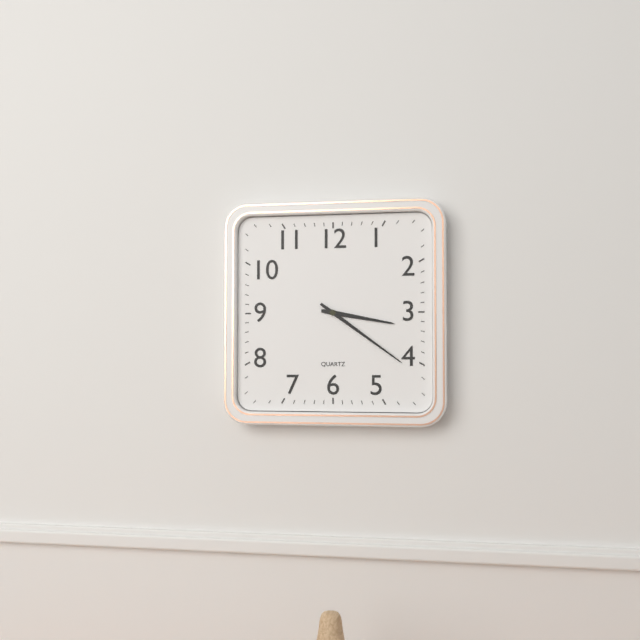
3:21
